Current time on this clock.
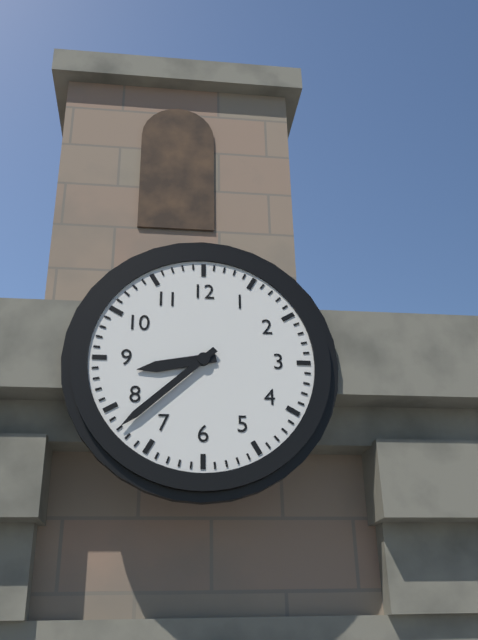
8:38
